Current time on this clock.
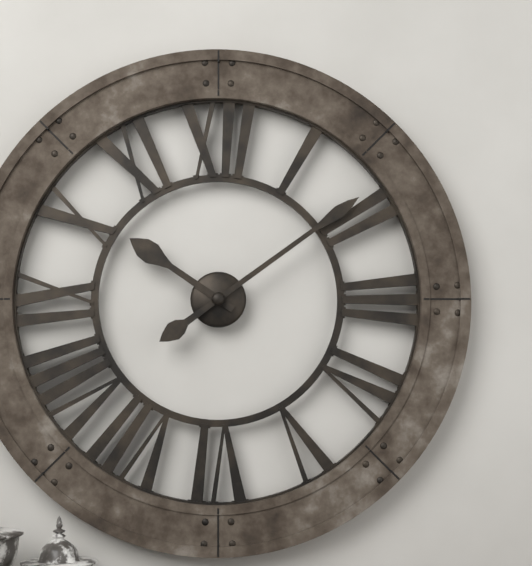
10:09
